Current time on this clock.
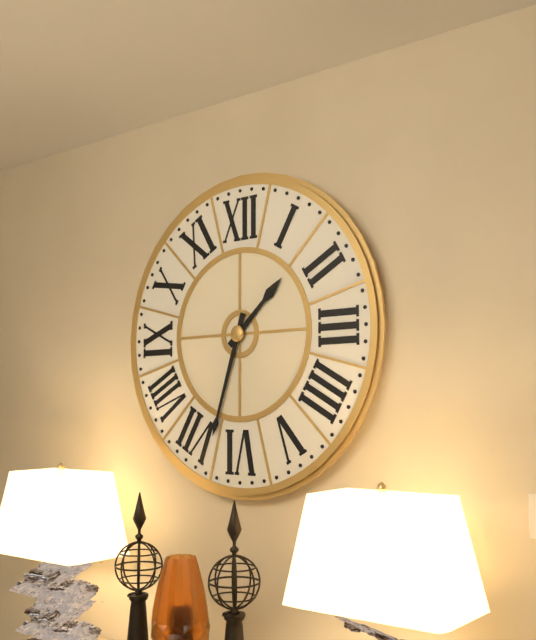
1:33
